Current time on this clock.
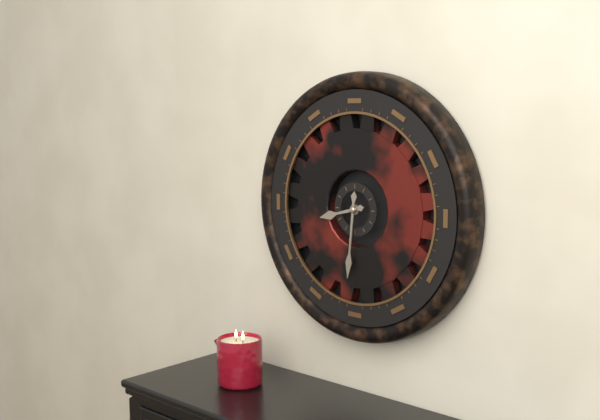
8:31
